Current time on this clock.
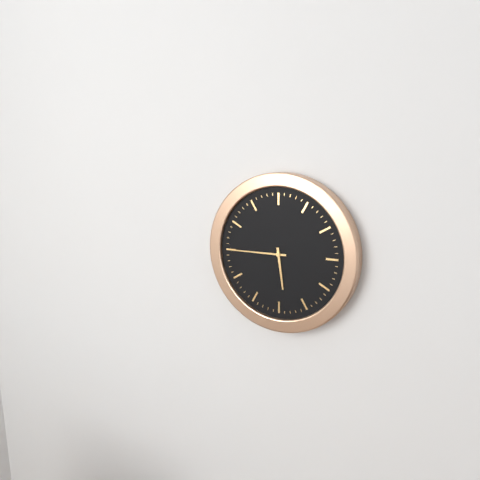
5:45
